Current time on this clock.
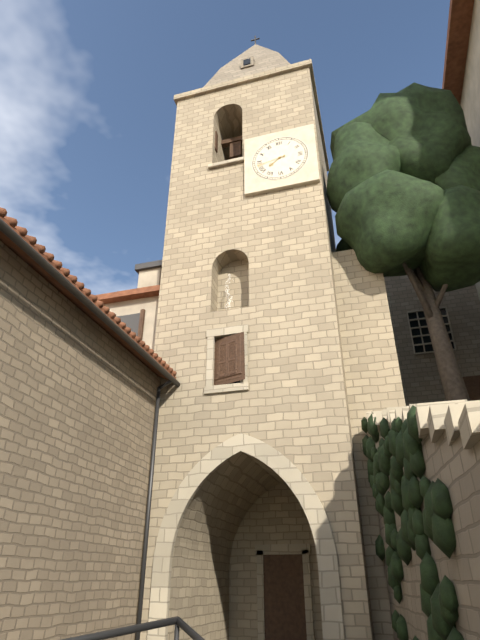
7:43
